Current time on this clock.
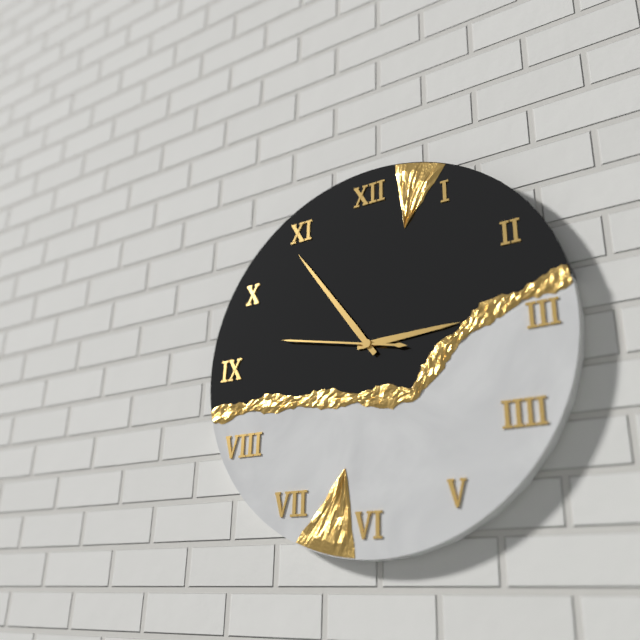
2:54:47
